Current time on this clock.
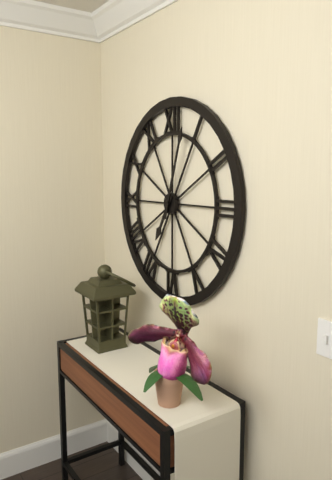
7:03
